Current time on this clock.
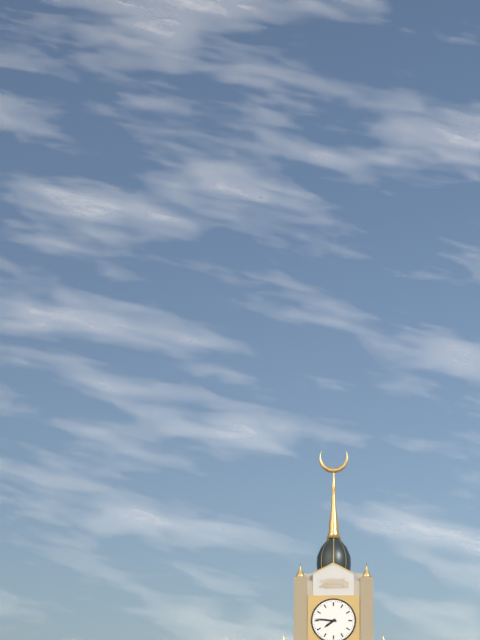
7:46
